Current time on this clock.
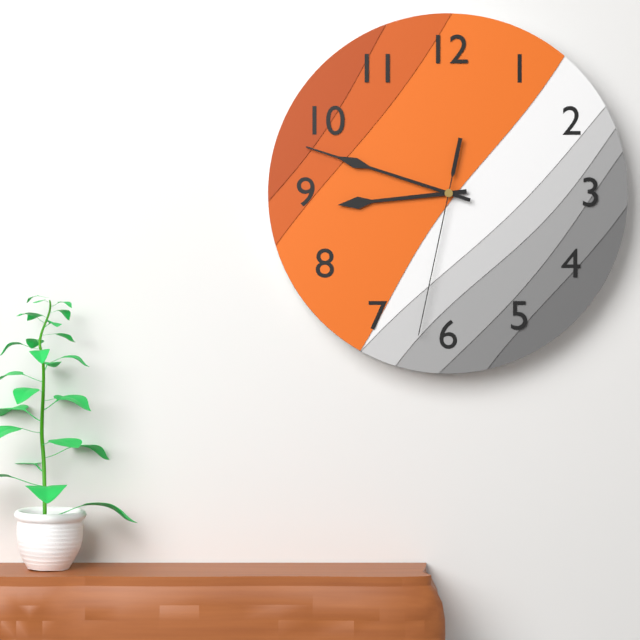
8:48:32
